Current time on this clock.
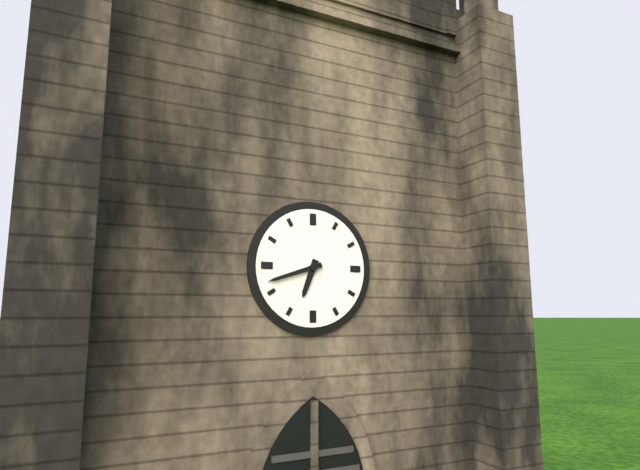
6:42
